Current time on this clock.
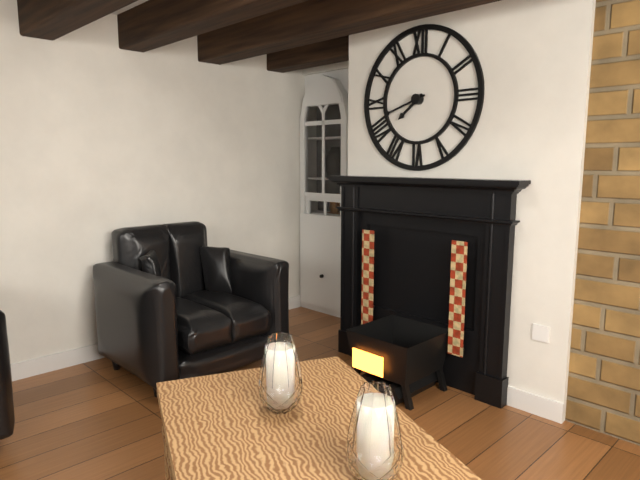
7:42
